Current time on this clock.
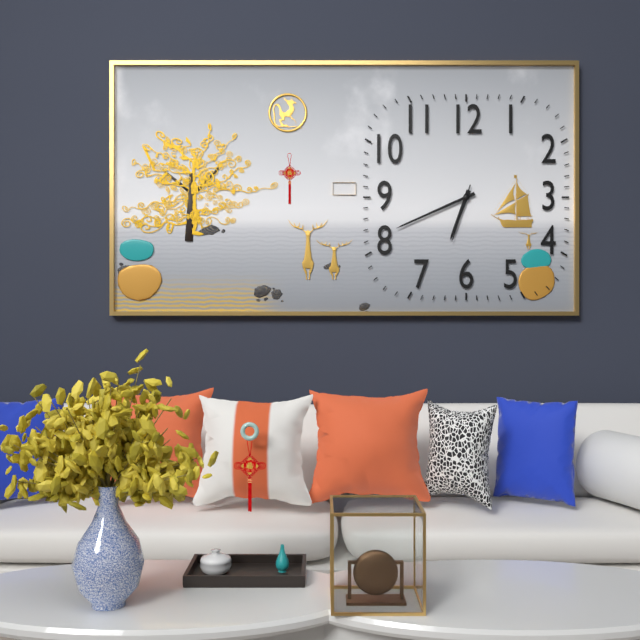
6:41:33
